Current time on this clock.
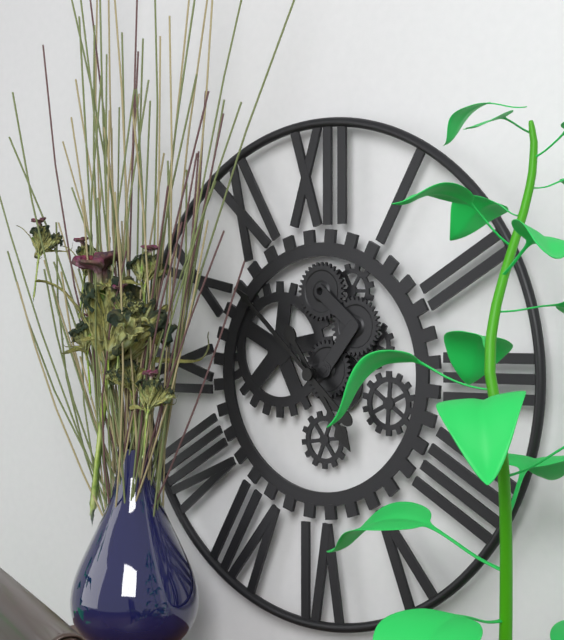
4:52
